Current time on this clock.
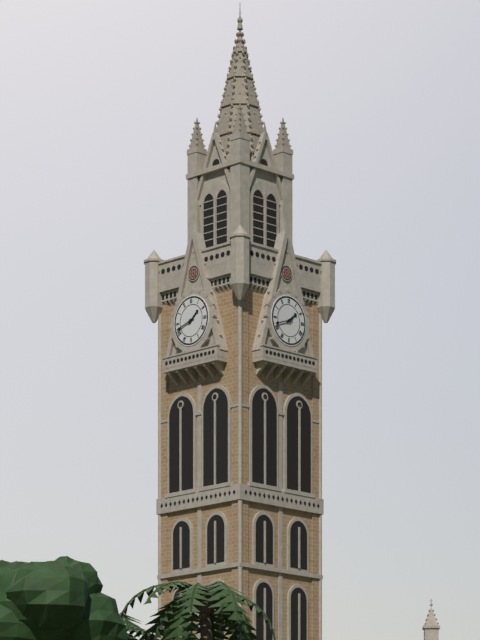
1:42
